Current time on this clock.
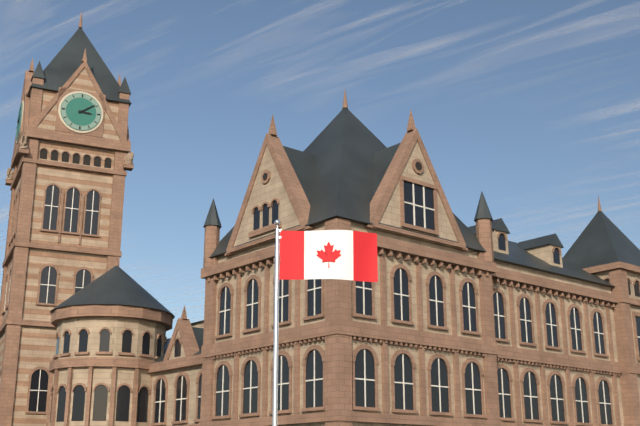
3:09
